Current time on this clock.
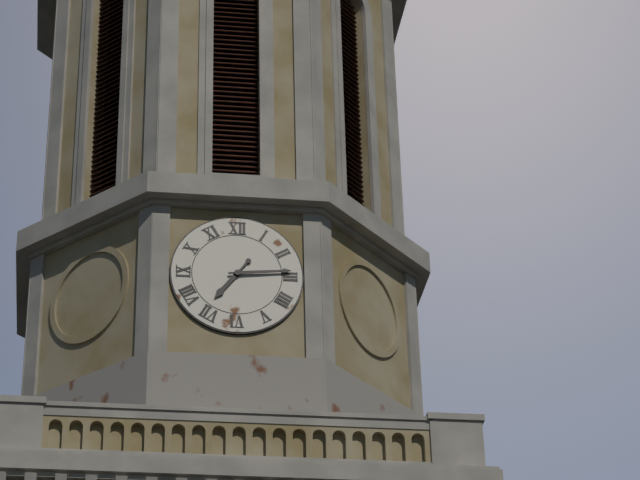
7:14
